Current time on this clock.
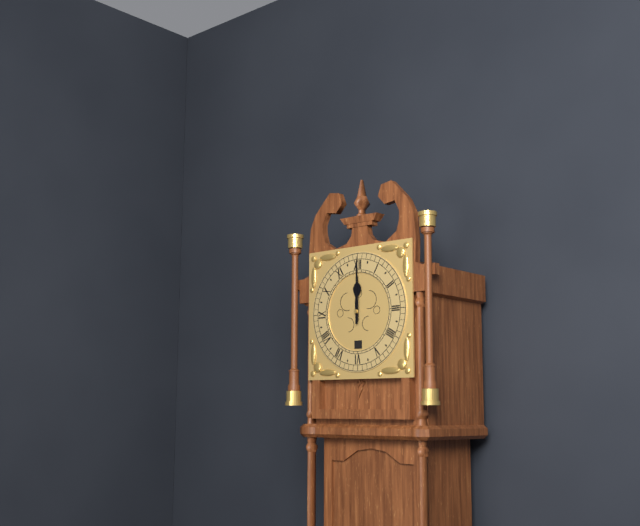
12:00
